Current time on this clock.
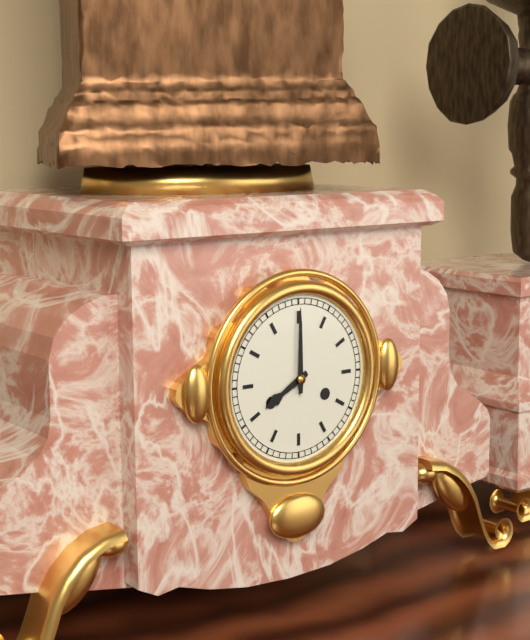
8:00
